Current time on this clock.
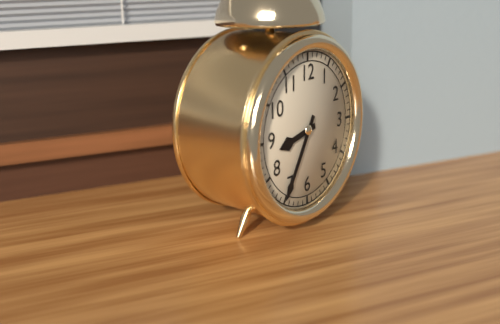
8:35
